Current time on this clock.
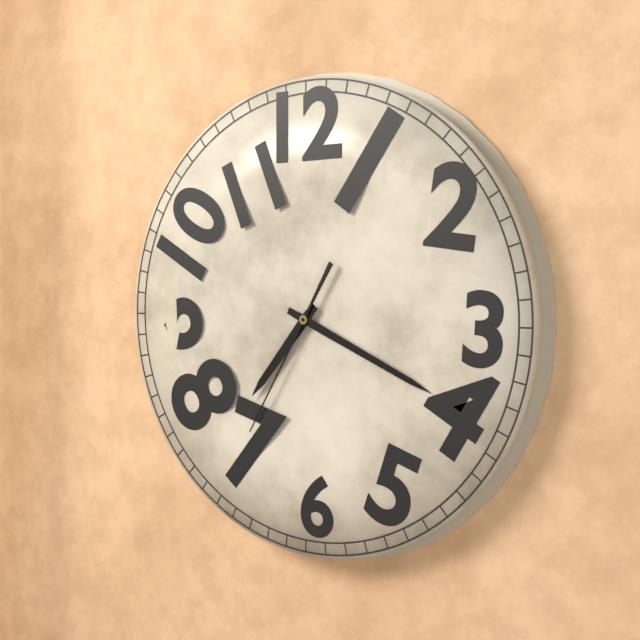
7:19:35
